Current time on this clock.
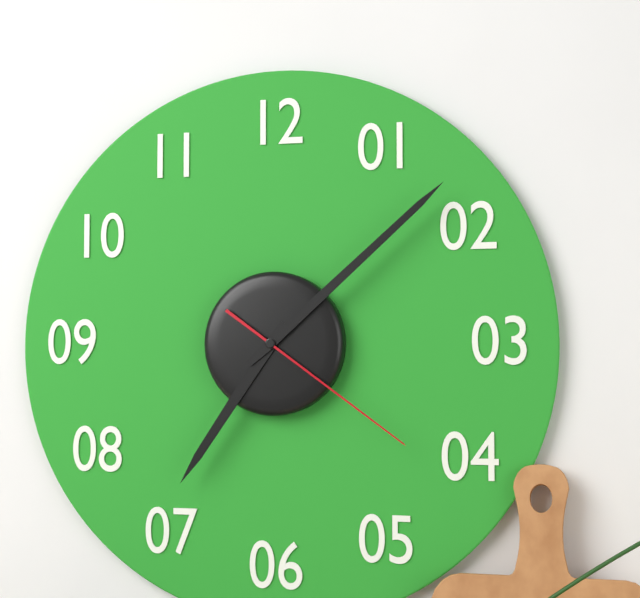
7:08:21
